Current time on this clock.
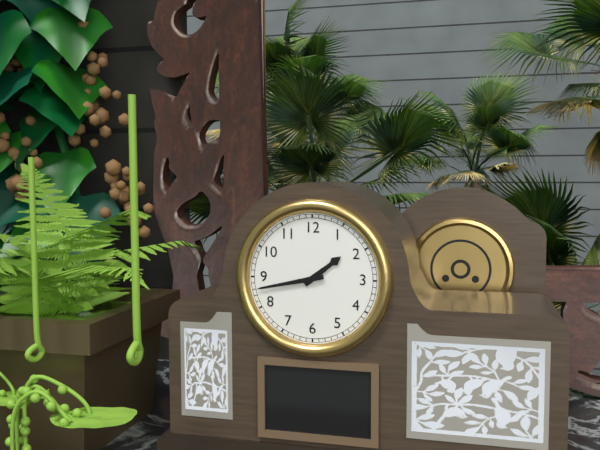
1:43
